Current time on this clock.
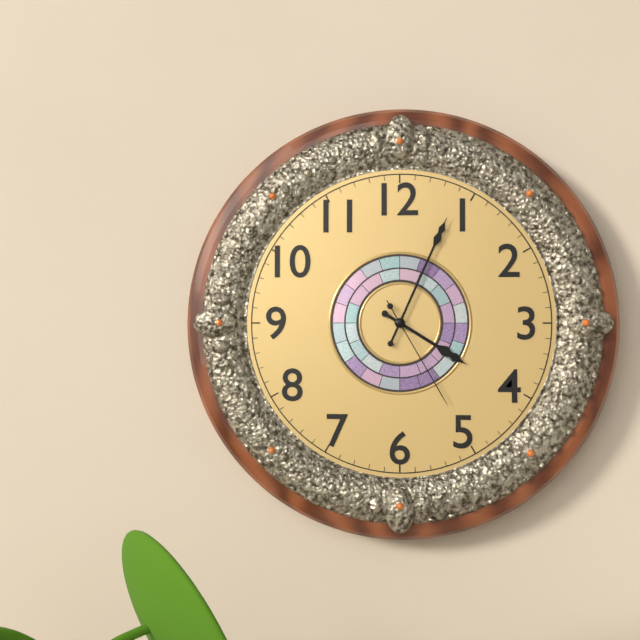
4:04:25
